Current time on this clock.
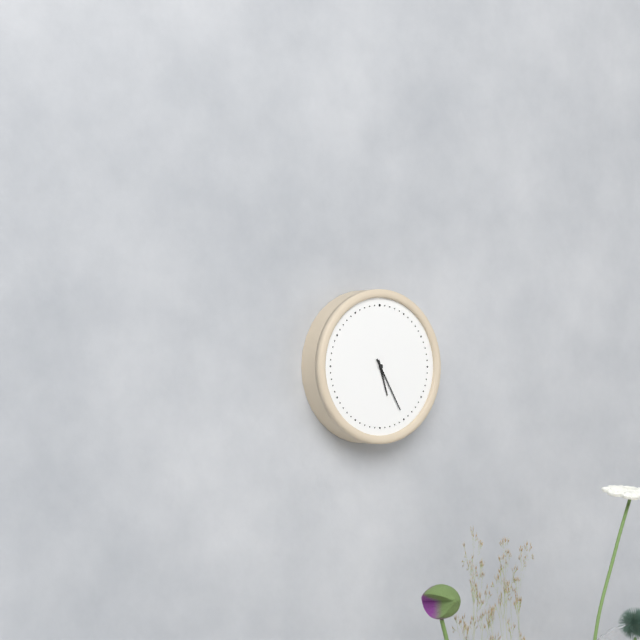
5:25
